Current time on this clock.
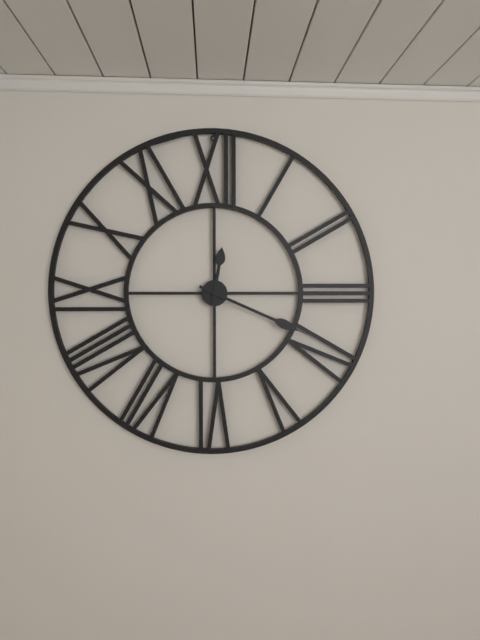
12:19
